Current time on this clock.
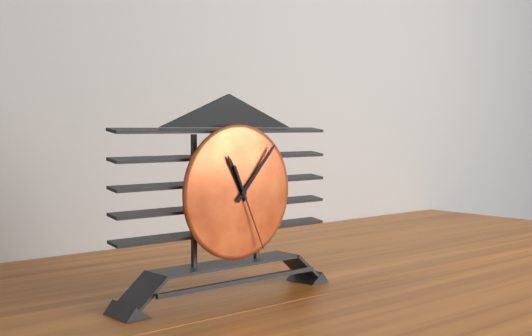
11:07:26
